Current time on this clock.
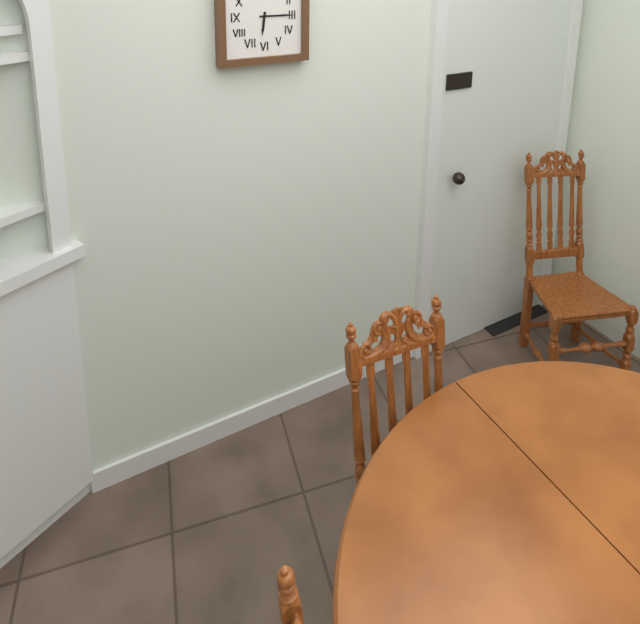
6:15
